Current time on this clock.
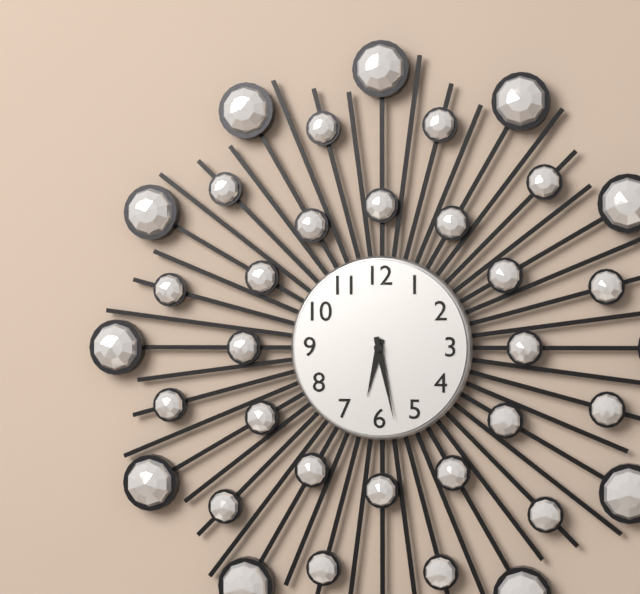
6:28
